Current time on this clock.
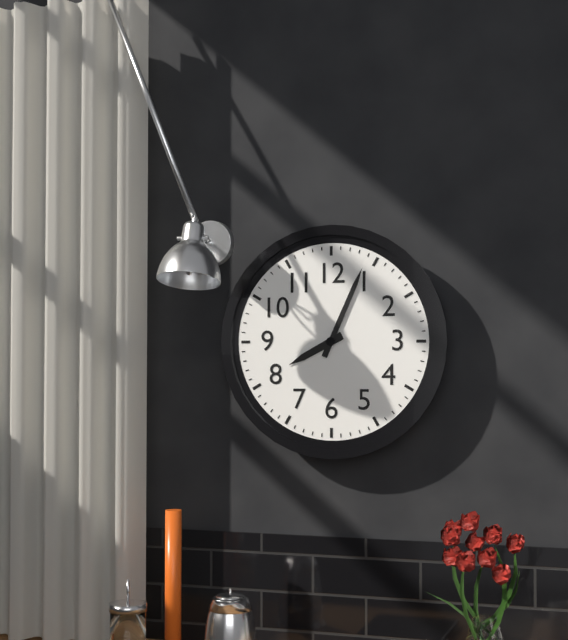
8:04
